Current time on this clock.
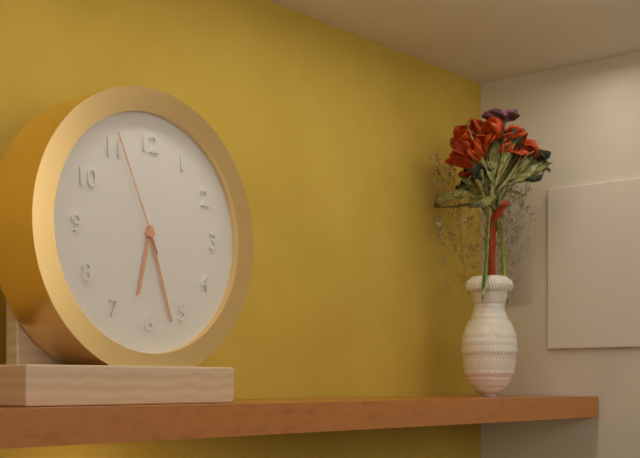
6:27:56
